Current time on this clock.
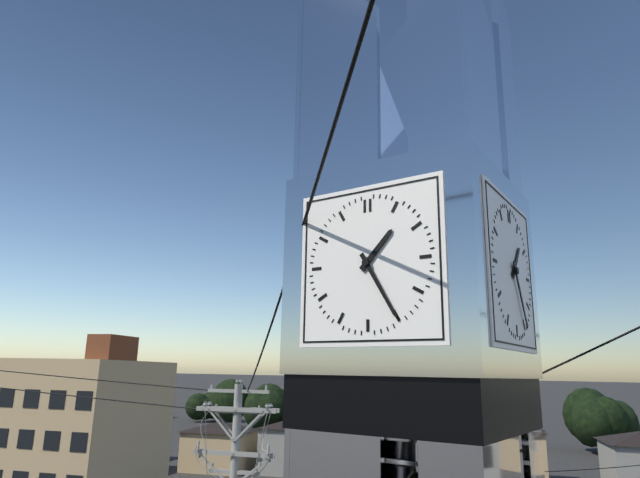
1:25
